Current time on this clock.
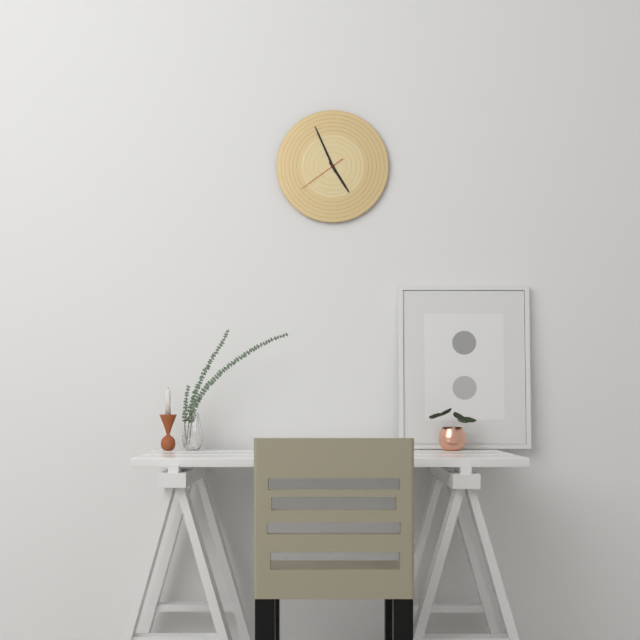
4:56
